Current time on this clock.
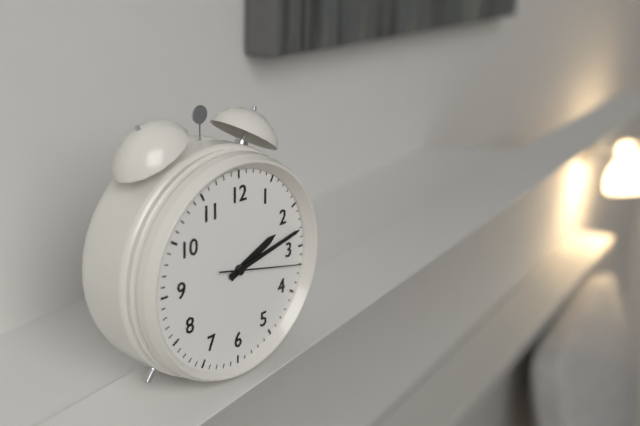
2:13:17
